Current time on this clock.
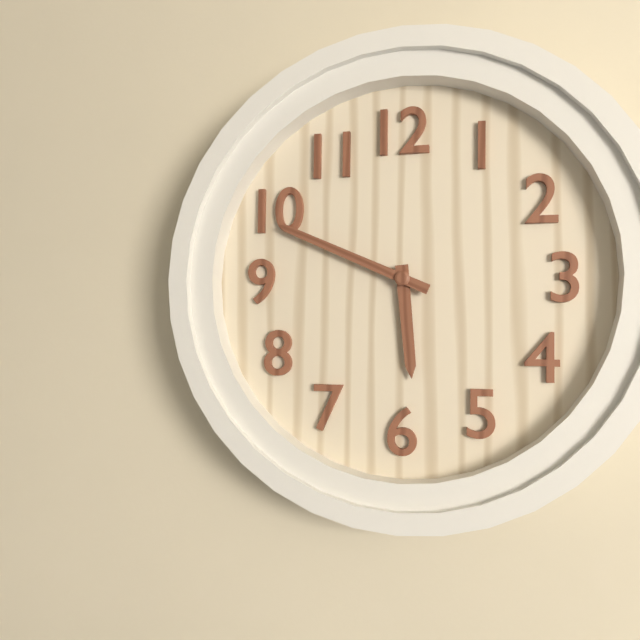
5:49
